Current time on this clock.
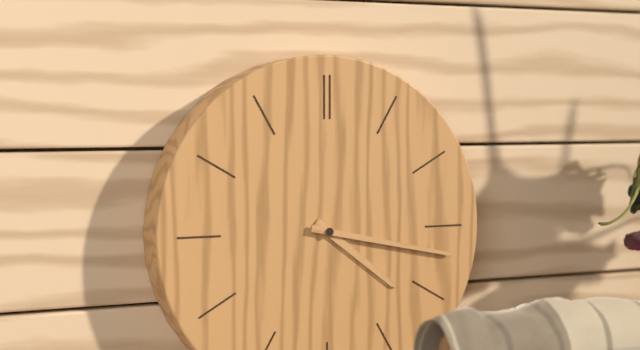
4:17
